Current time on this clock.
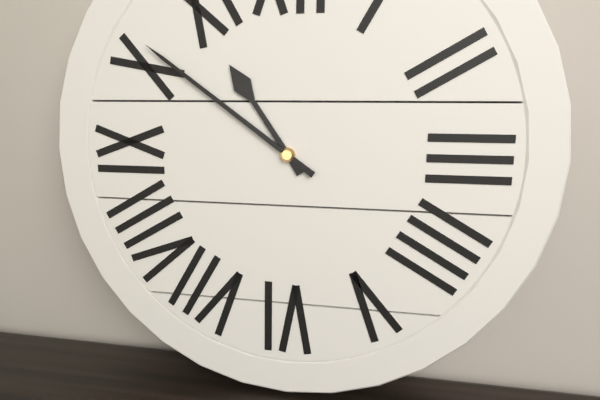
10:51
